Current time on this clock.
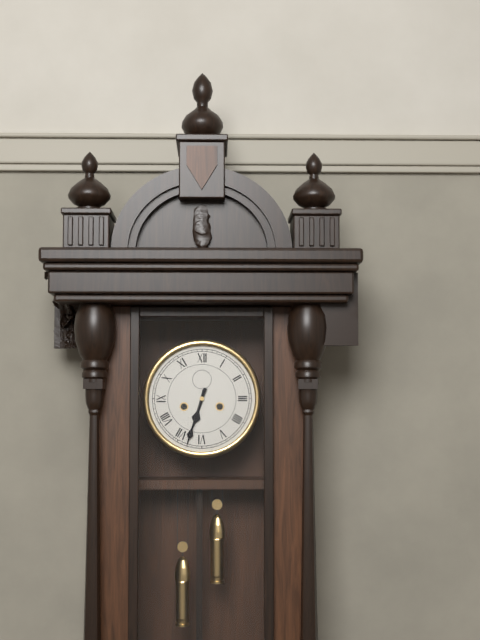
6:33
